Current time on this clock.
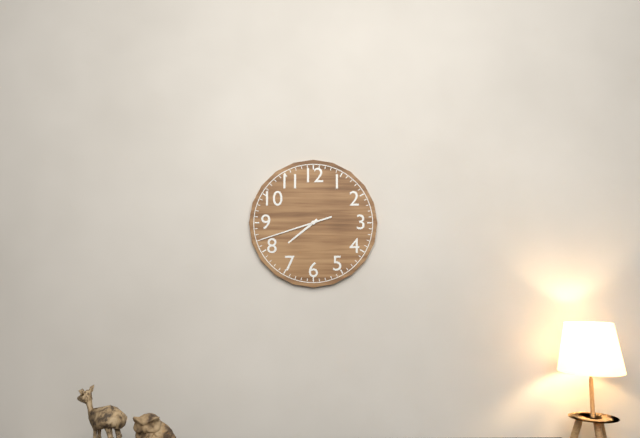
7:42
